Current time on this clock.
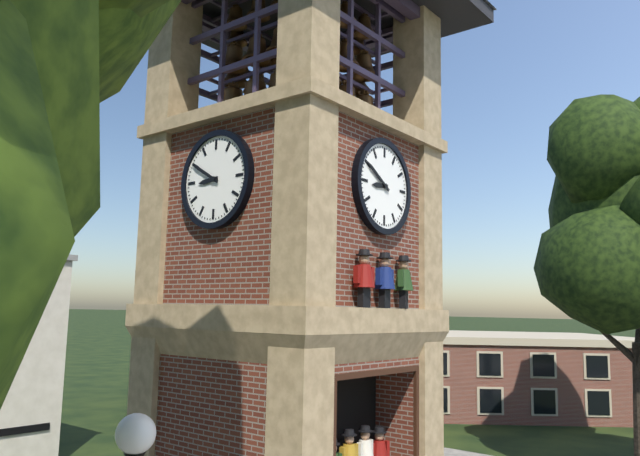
8:50
